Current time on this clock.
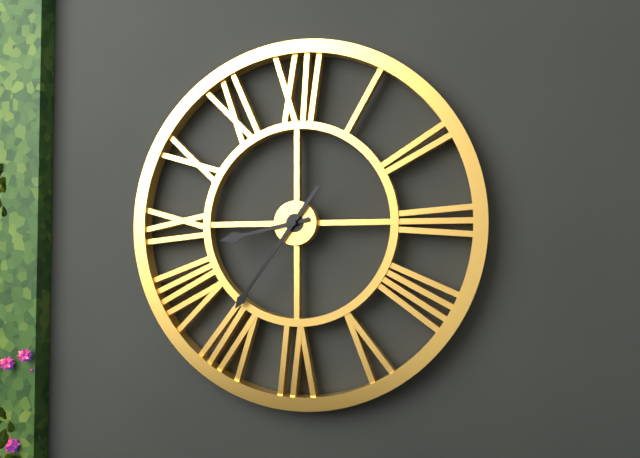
8:36
